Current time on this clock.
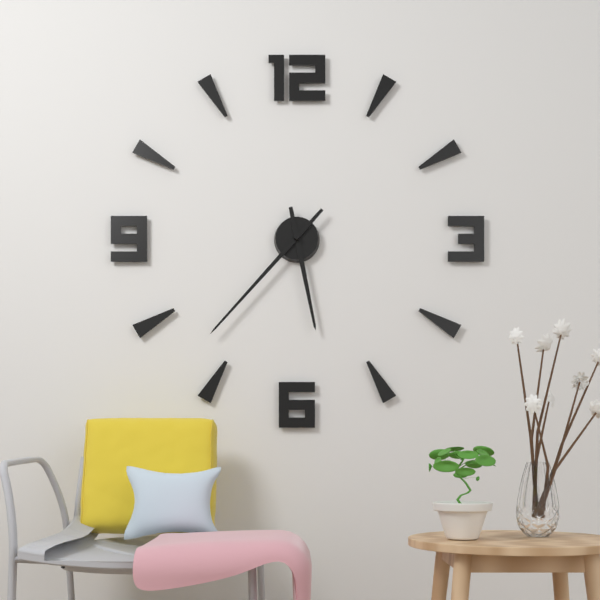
5:37
